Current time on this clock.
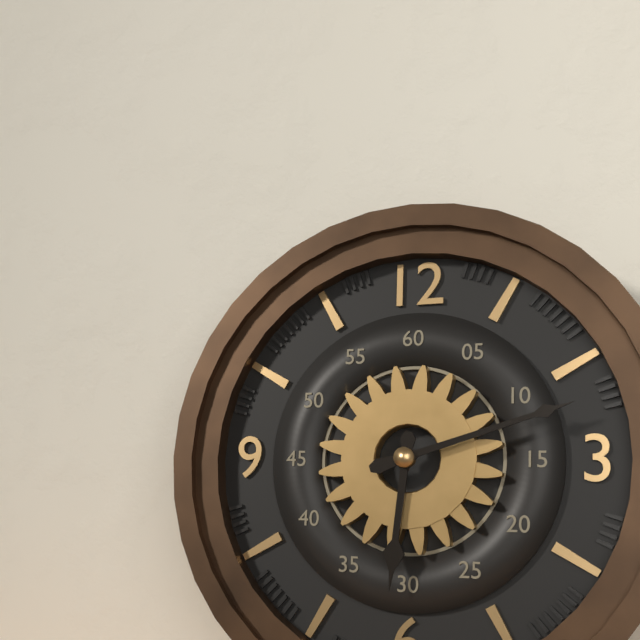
6:12
